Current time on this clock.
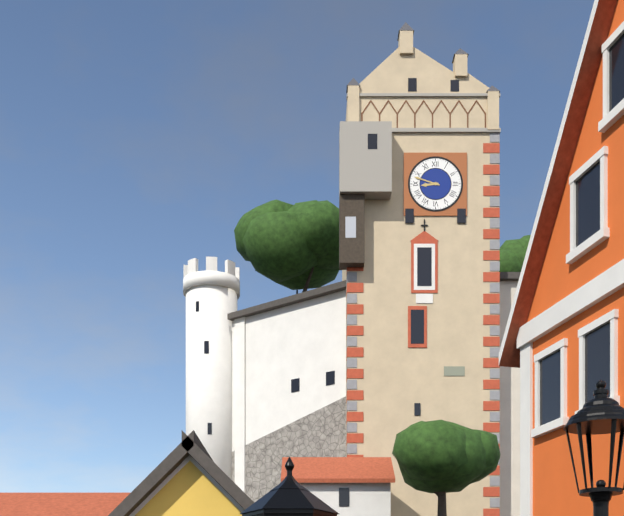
8:48
